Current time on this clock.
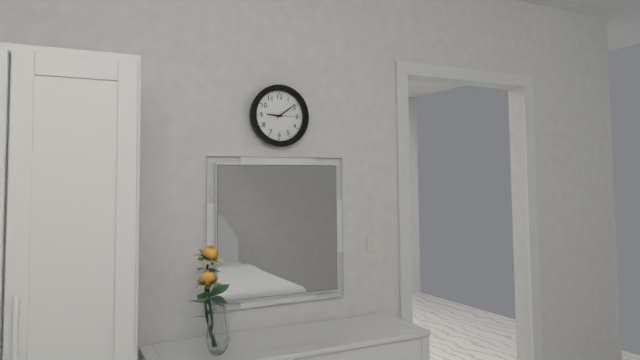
9:09
